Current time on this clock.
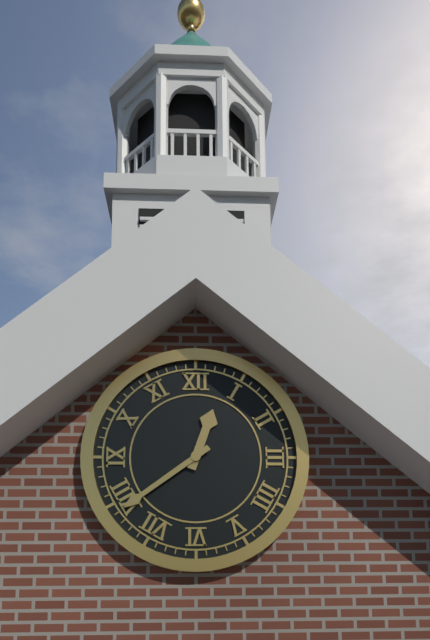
12:39
